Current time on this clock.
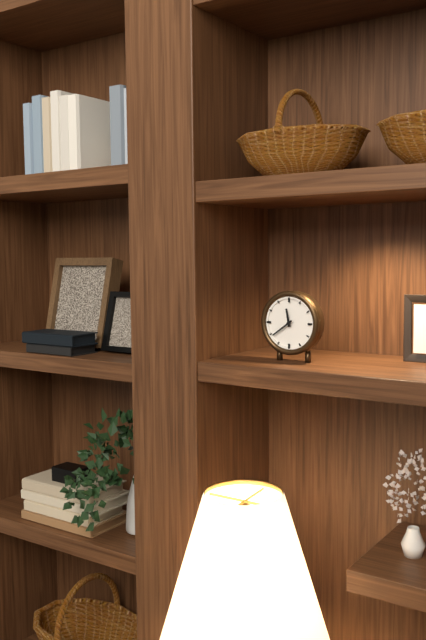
11:39
